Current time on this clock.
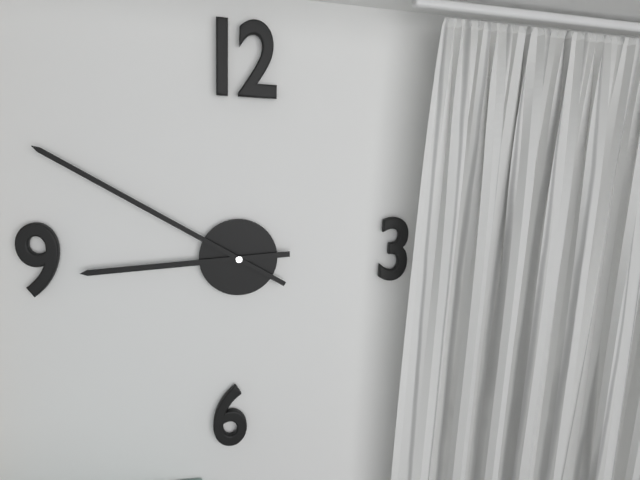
8:50
